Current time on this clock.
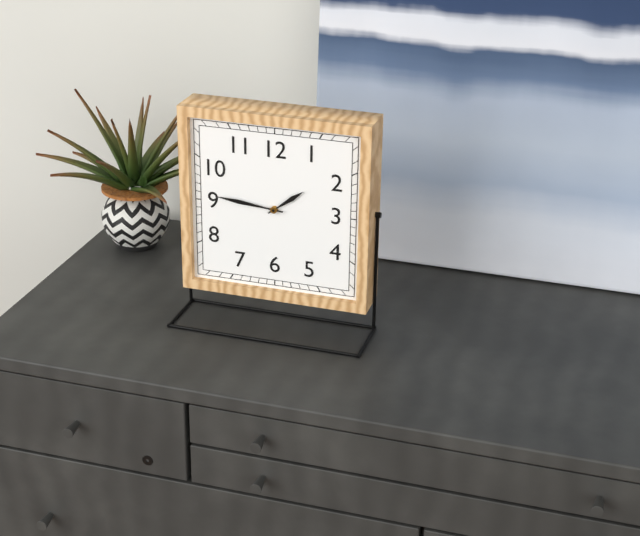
1:46
